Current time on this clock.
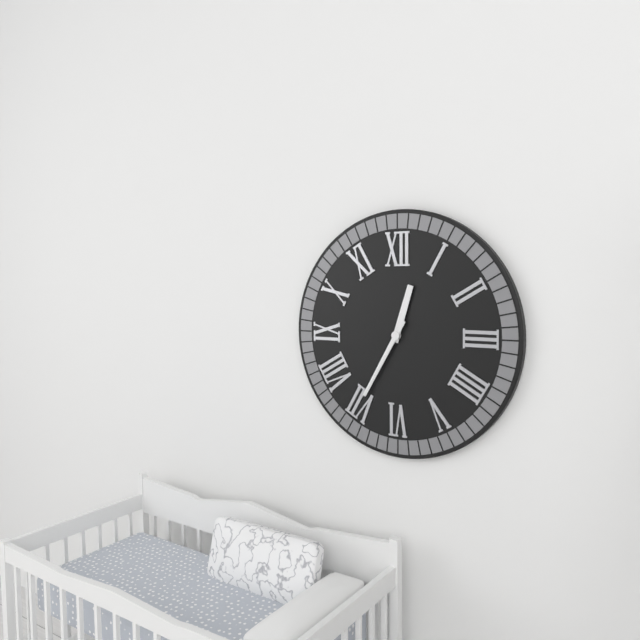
12:35
